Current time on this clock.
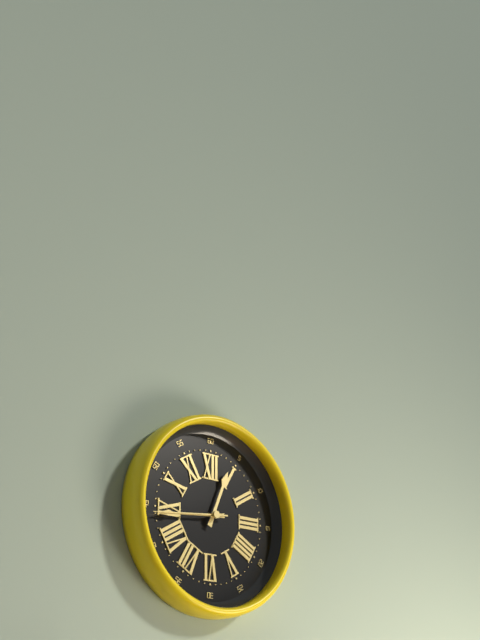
12:44:44
